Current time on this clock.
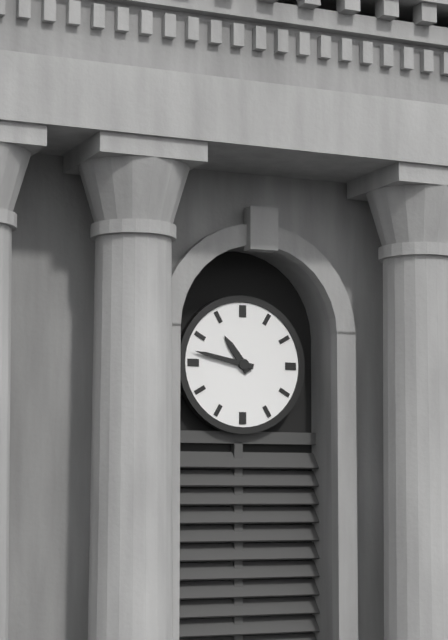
10:47
